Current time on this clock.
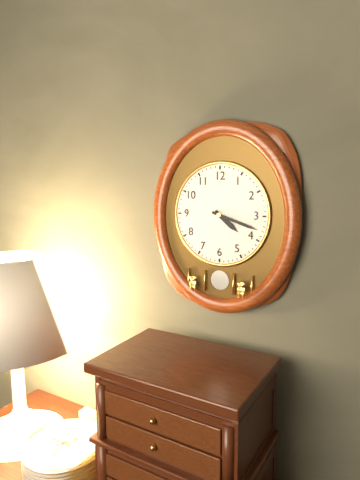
4:18
